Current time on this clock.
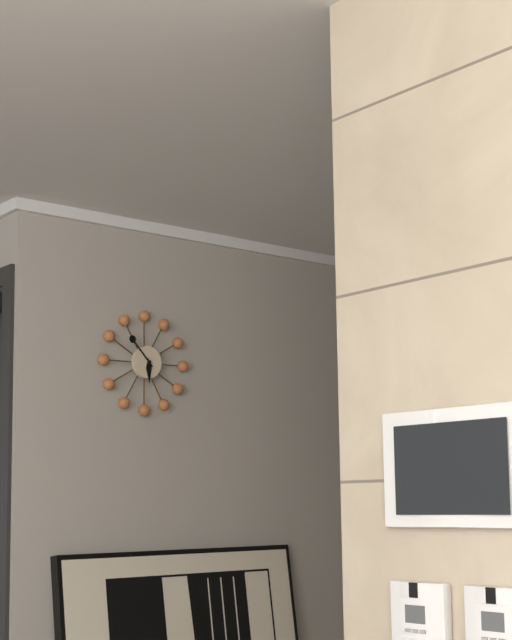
5:53
